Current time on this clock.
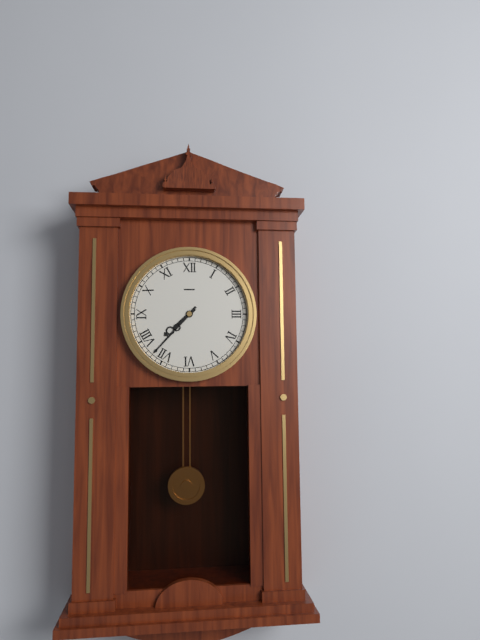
7:37
